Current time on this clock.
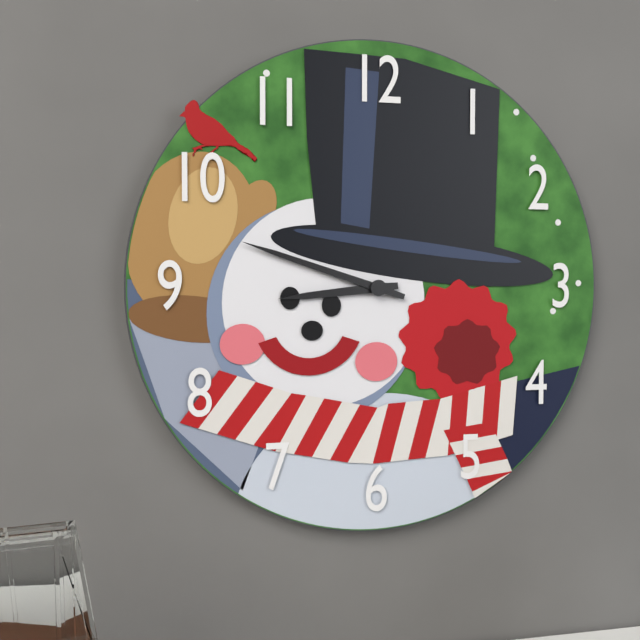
8:48
